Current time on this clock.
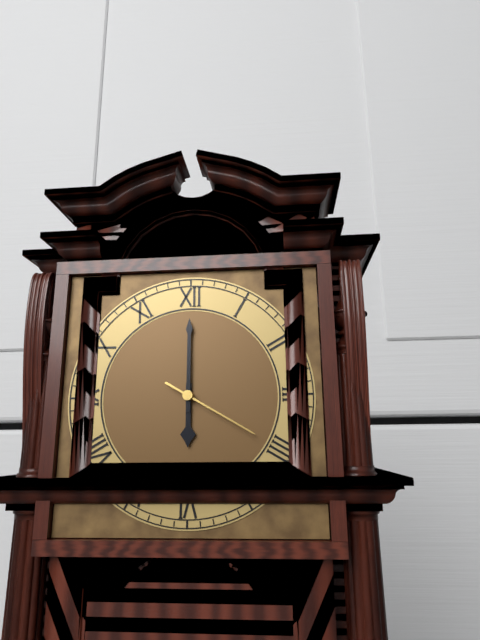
6:00:20
